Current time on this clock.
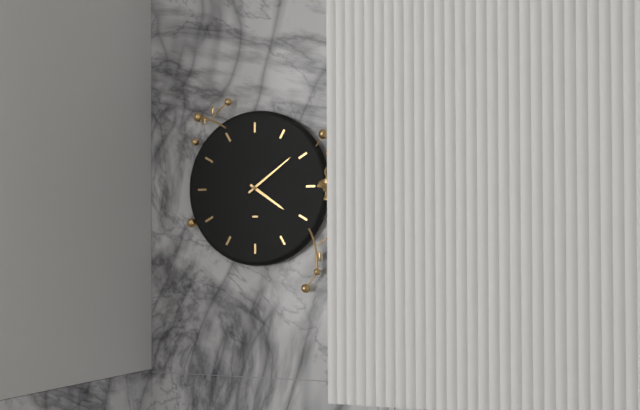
4:09
